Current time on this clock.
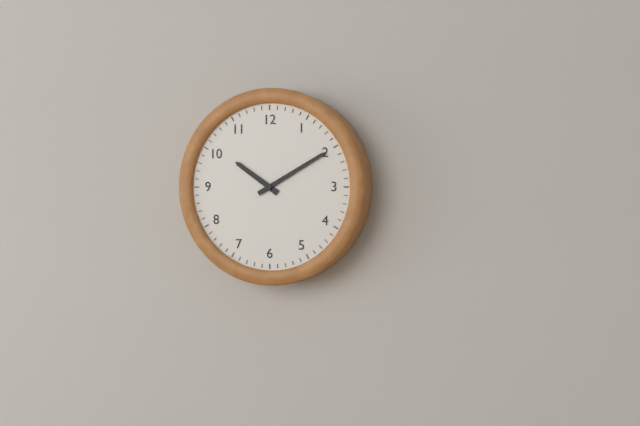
10:10
